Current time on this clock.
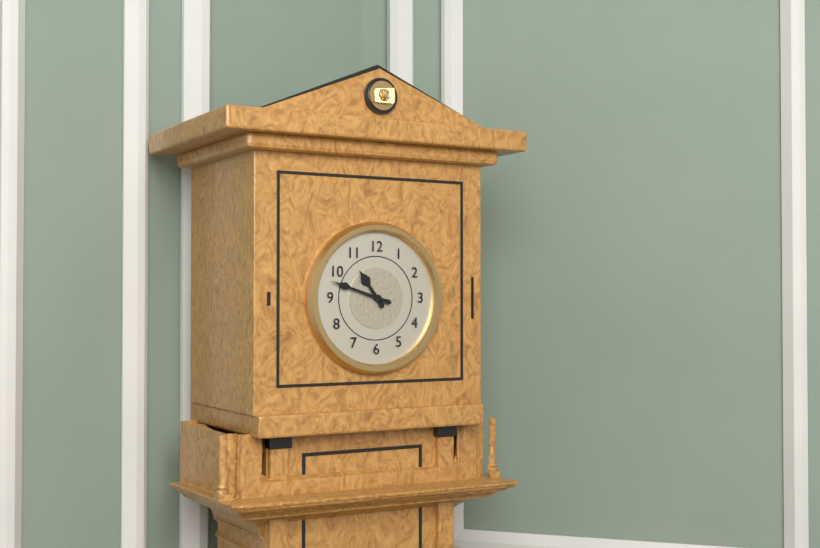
10:48
